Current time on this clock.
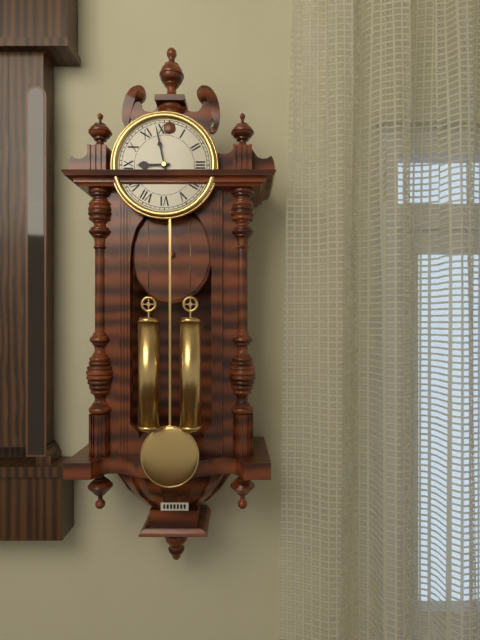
8:58
